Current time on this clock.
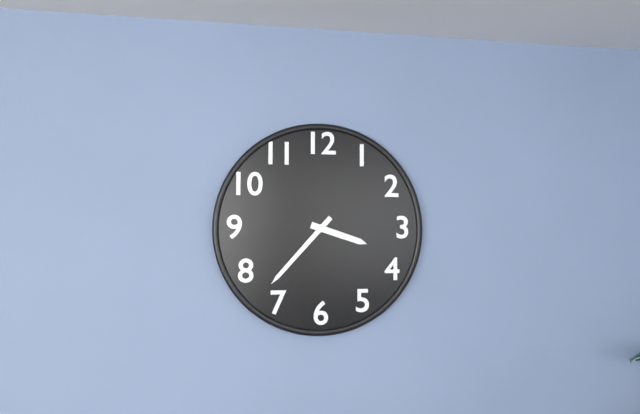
3:37
